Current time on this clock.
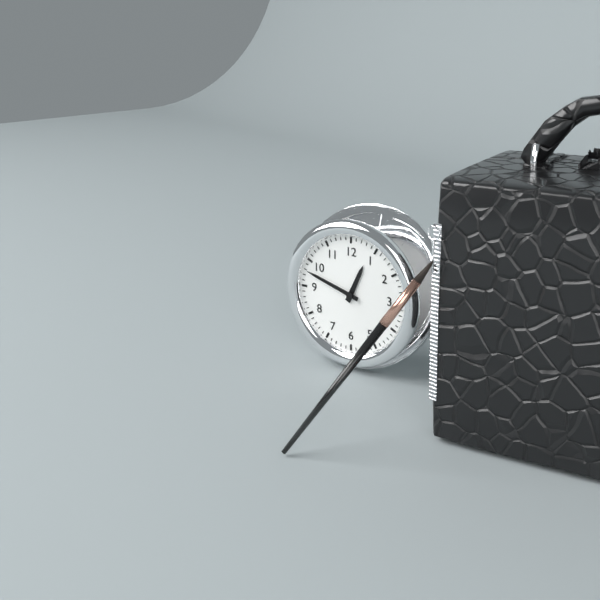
12:48
